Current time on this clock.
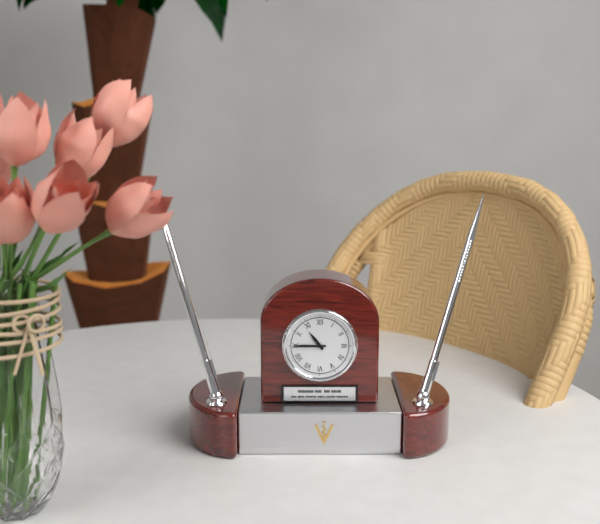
10:45
